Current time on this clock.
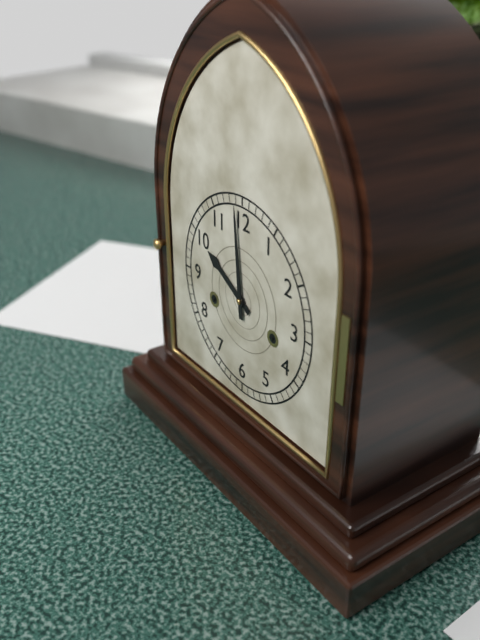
9:59
